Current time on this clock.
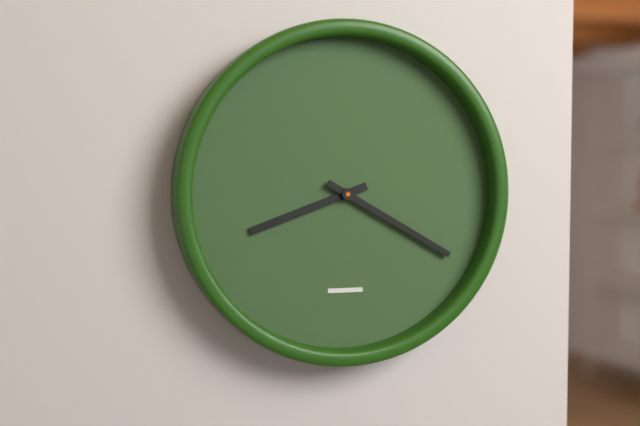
8:20
